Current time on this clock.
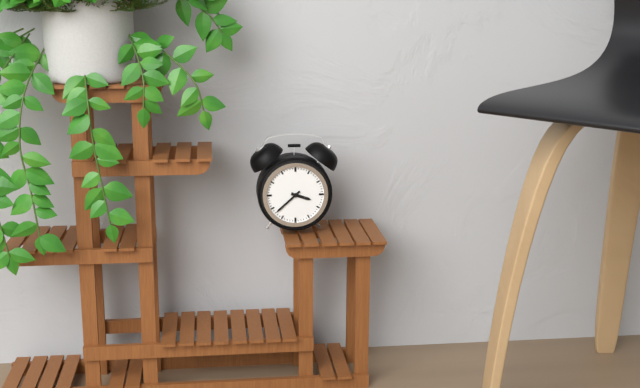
3:38
